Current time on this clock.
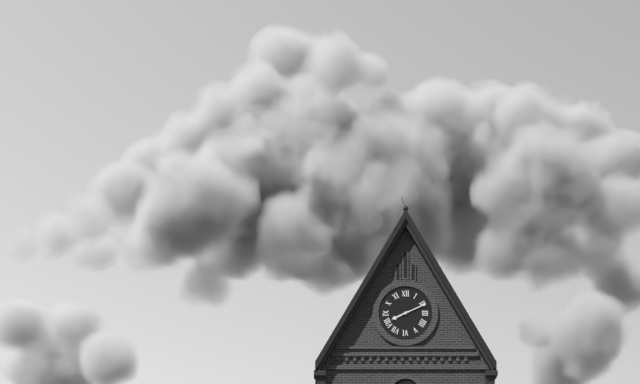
8:11
